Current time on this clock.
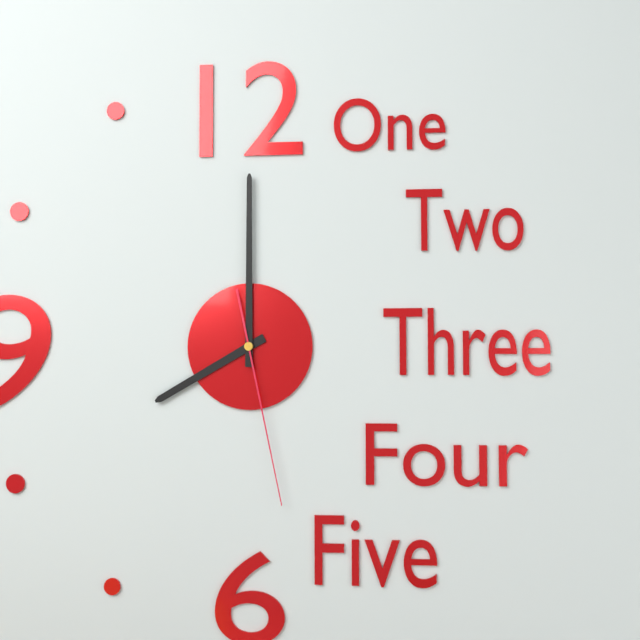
8:00:28
